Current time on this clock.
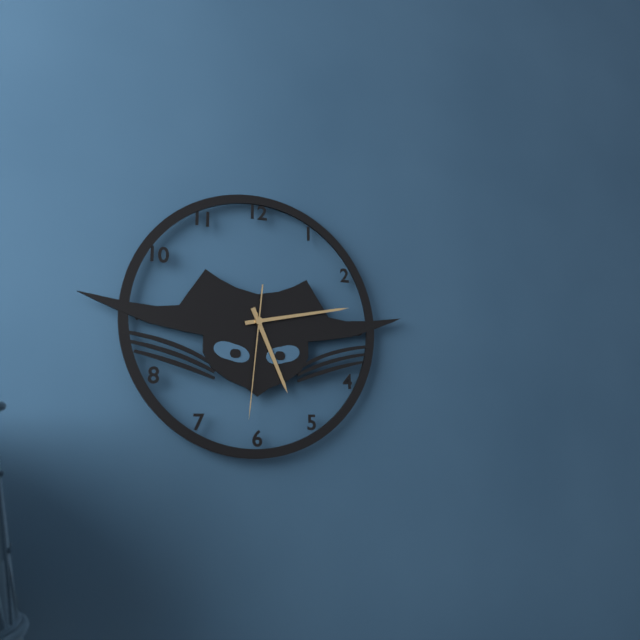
5:13:31
